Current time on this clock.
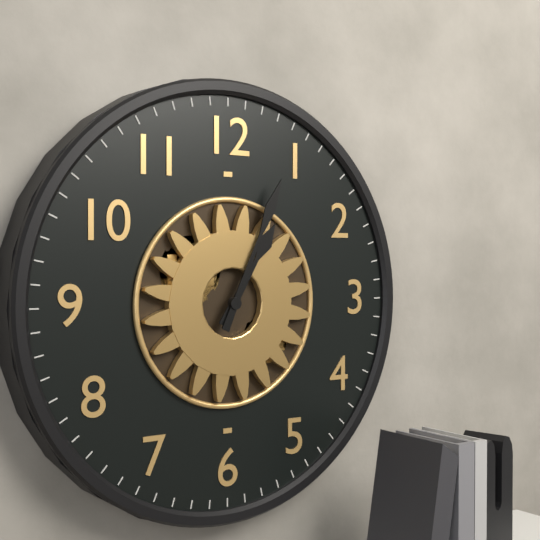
1:04
